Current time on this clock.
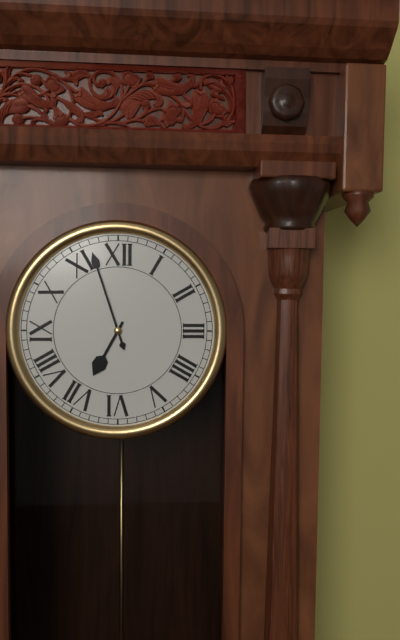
6:57
